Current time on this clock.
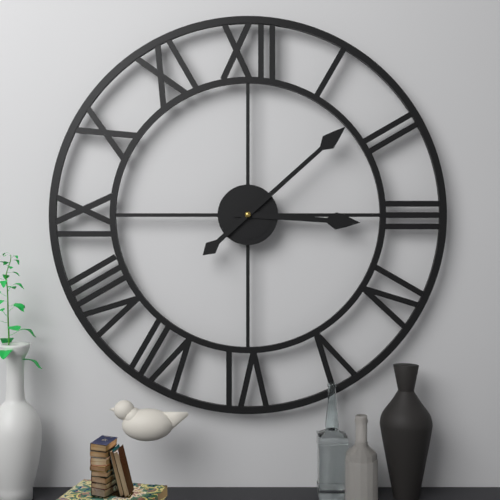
3:08
